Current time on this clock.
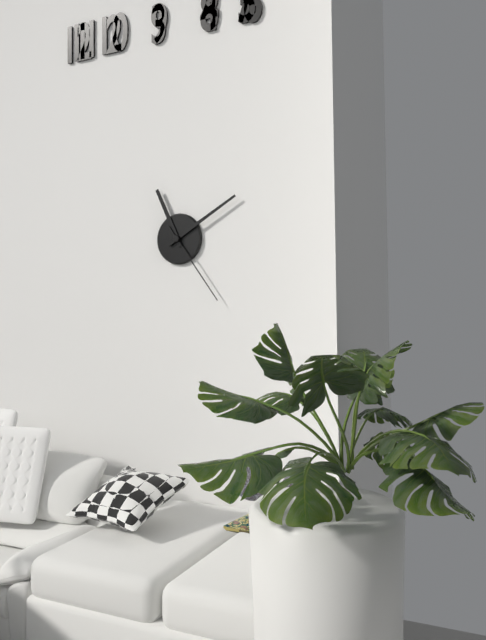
11:10:24
